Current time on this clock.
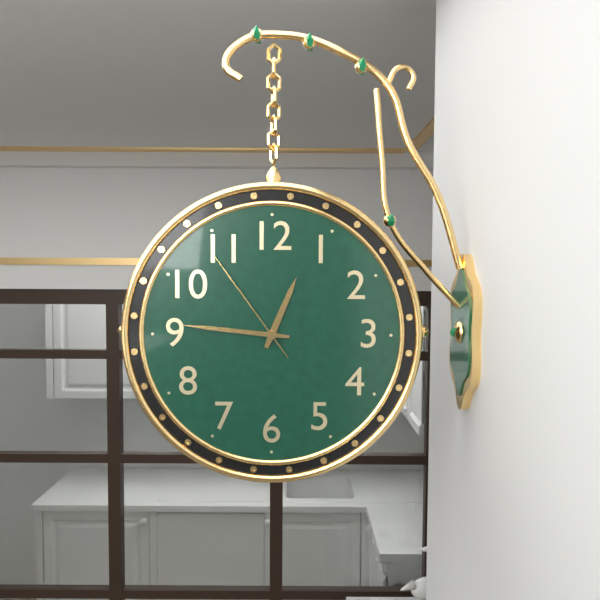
12:46:54
